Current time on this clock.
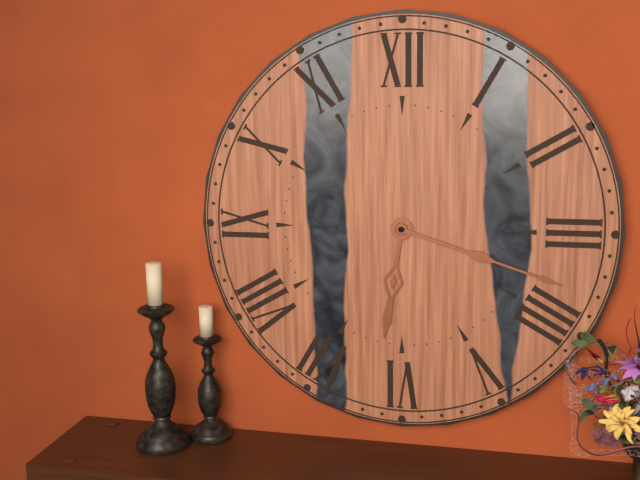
6:18
